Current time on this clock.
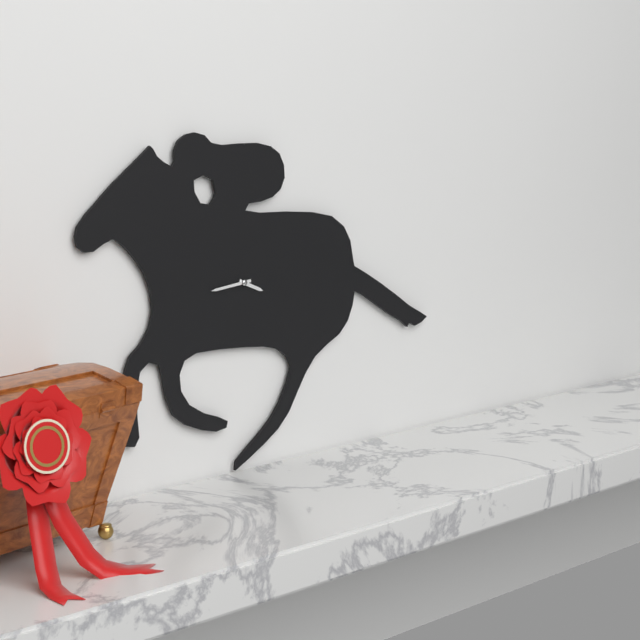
3:44
